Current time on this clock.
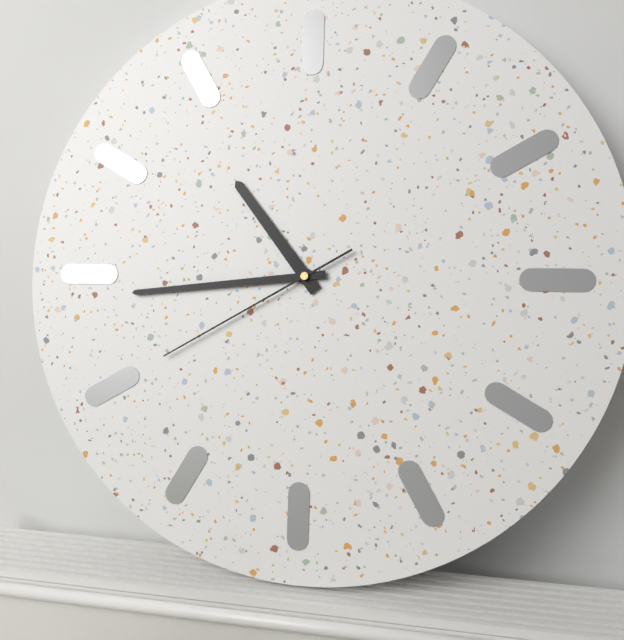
10:44:40
